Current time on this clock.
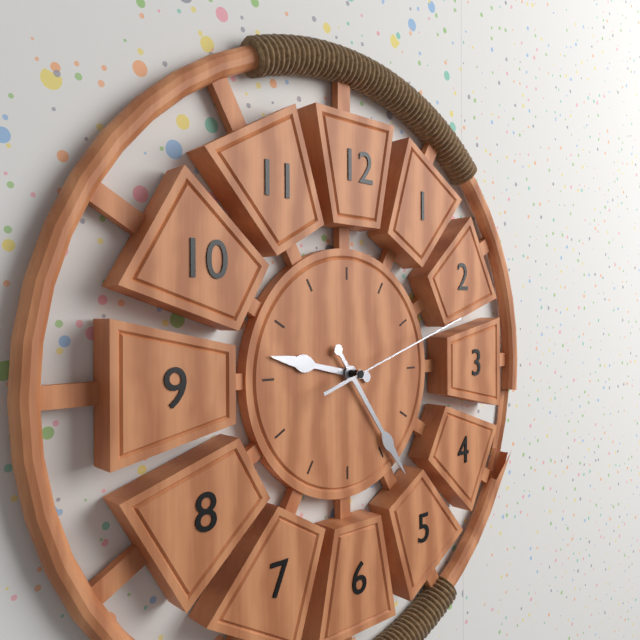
9:24:12
